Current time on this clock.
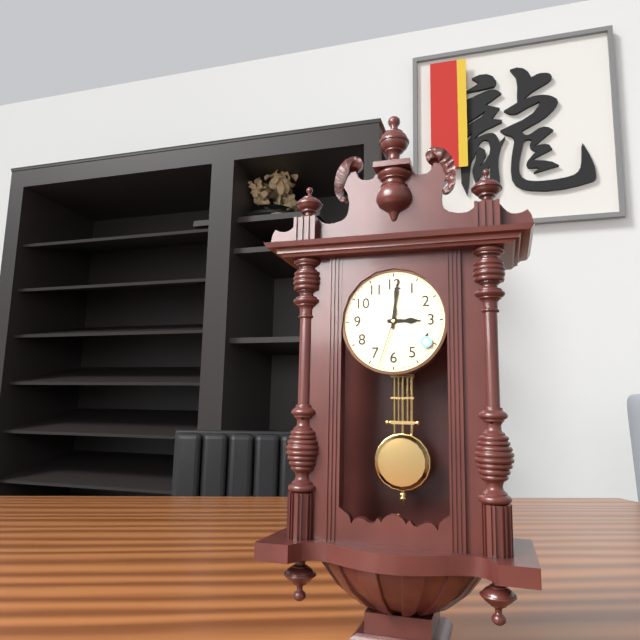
3:01:33
